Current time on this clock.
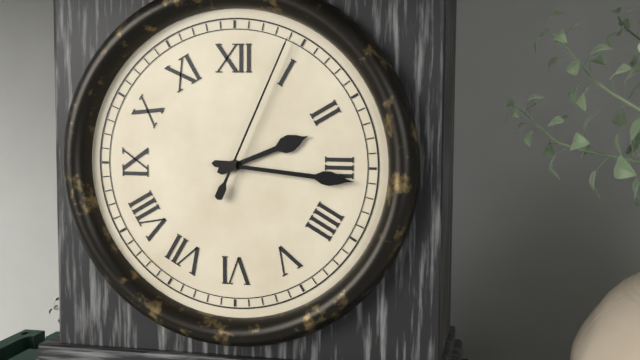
2:16:04
